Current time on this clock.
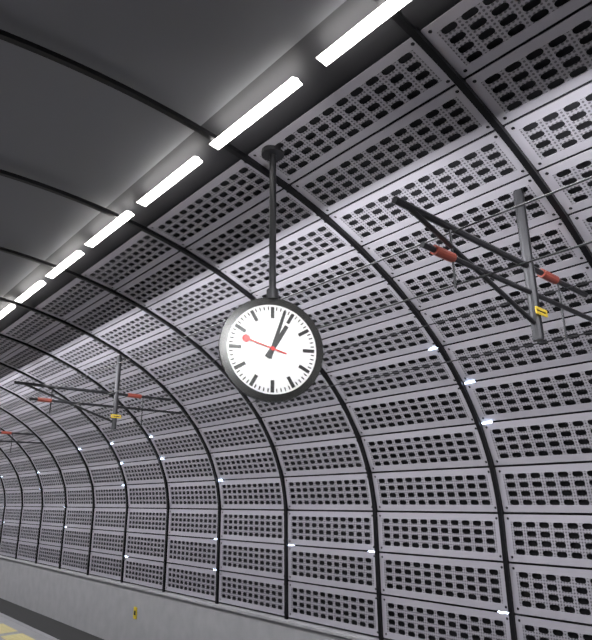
1:03
